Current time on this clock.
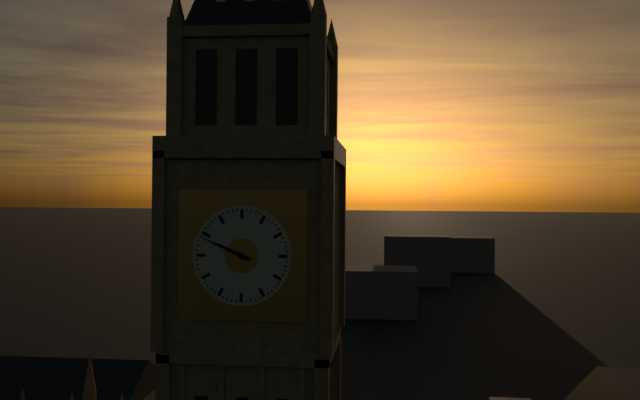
9:49
